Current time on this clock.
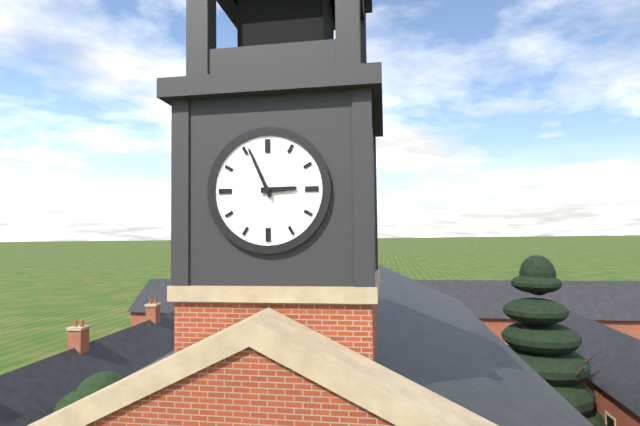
2:56
